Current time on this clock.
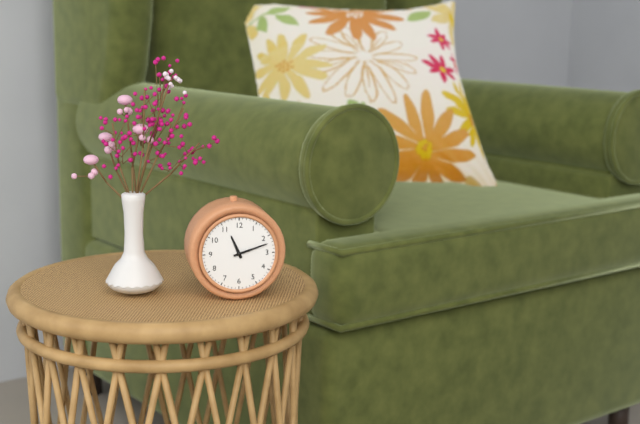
11:12
